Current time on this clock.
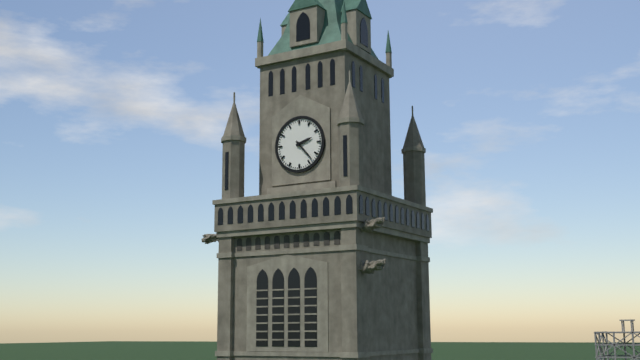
2:23
